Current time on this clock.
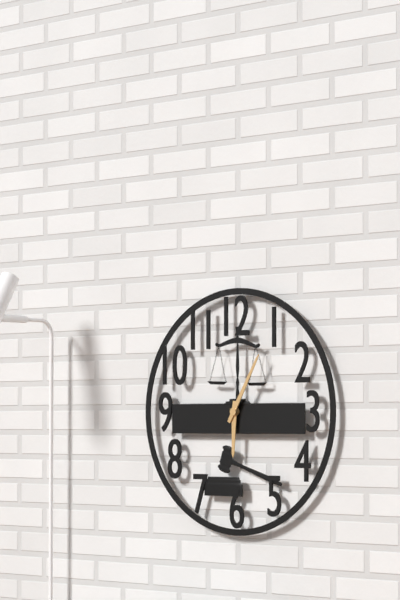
6:05
